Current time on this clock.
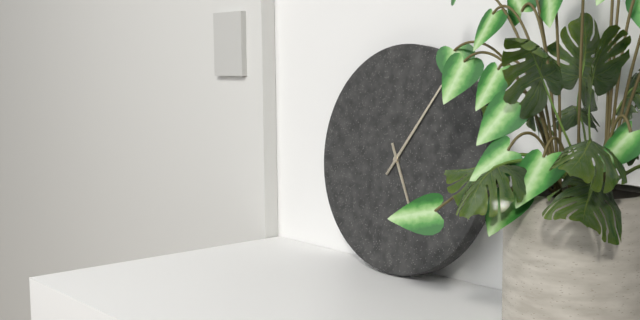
5:06
